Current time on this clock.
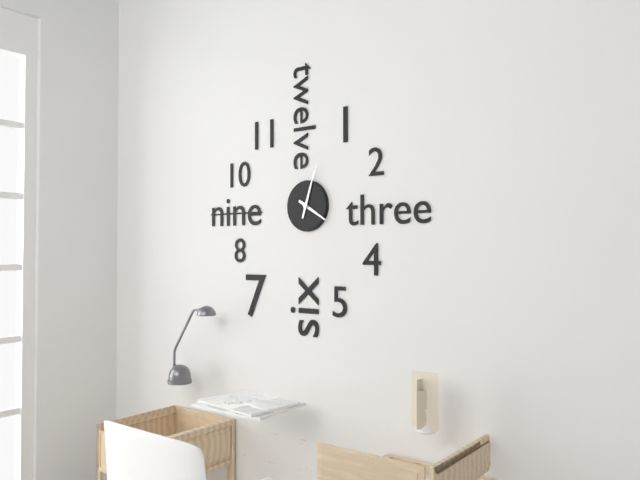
4:03
